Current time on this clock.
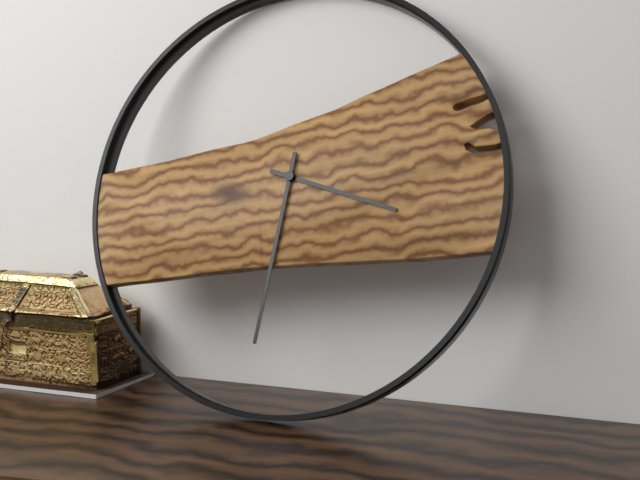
3:31
